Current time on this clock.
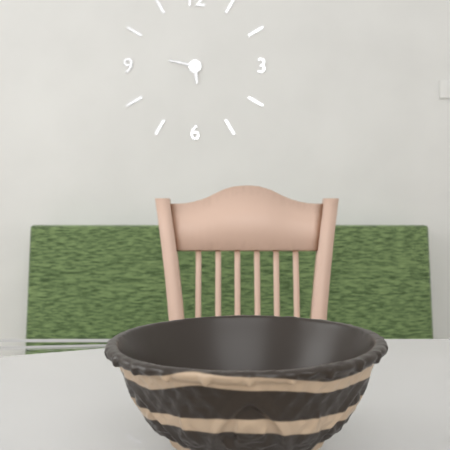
5:47
